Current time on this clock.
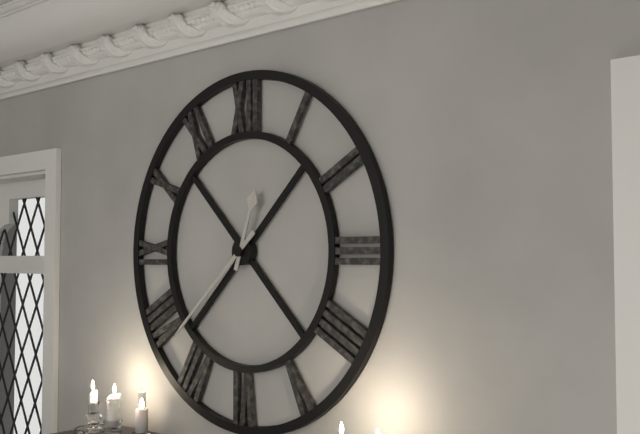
12:38
